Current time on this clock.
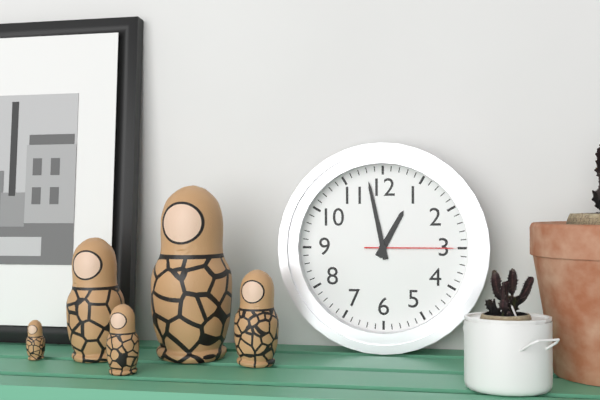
12:58:15
